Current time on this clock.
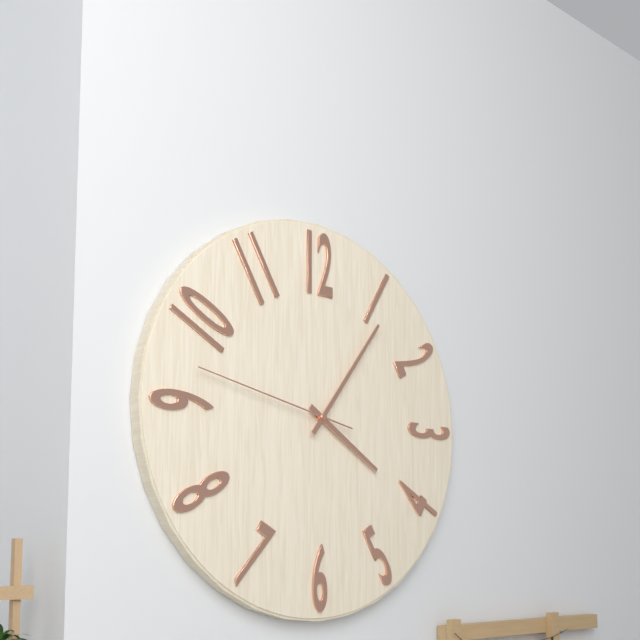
4:06:47
